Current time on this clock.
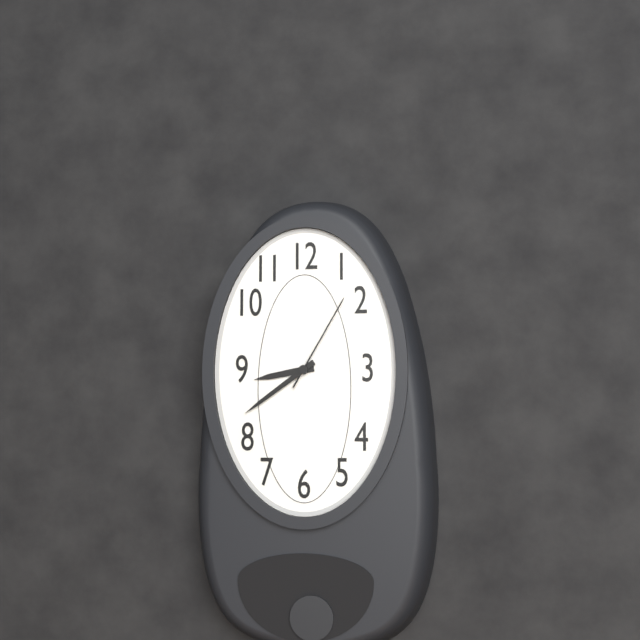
8:39:05
